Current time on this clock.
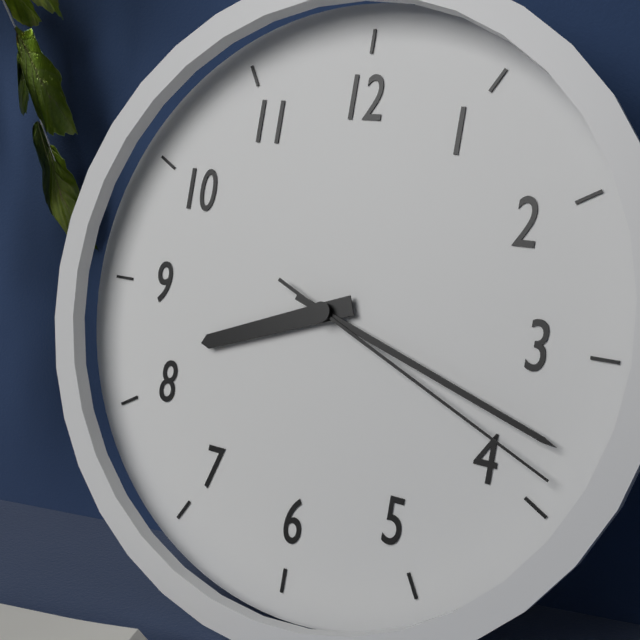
8:18:19
